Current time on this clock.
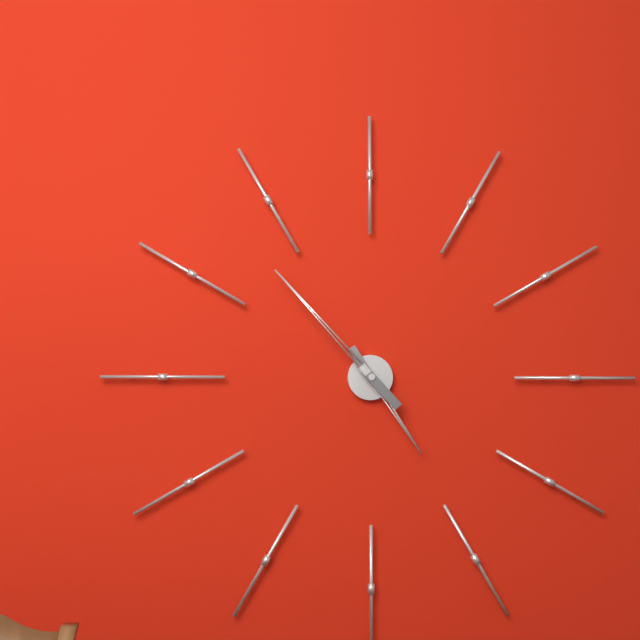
4:53
